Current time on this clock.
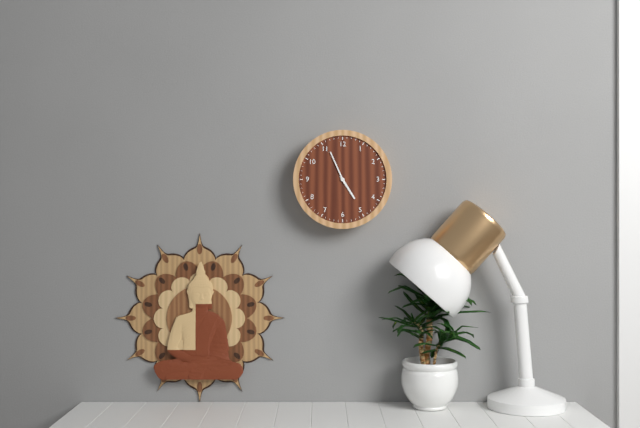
4:56
